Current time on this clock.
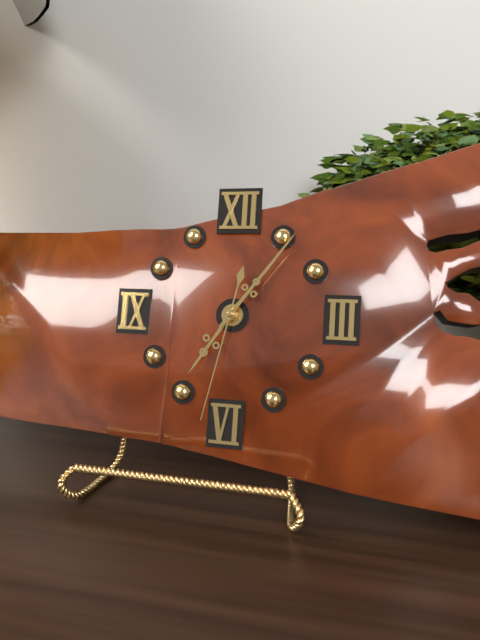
7:06:32
